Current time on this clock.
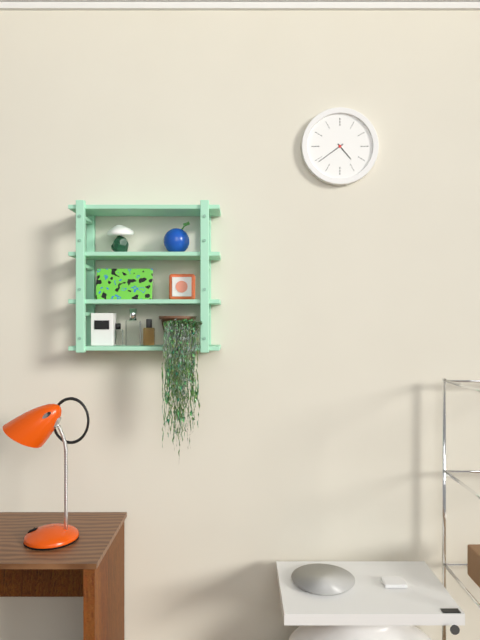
4:39
